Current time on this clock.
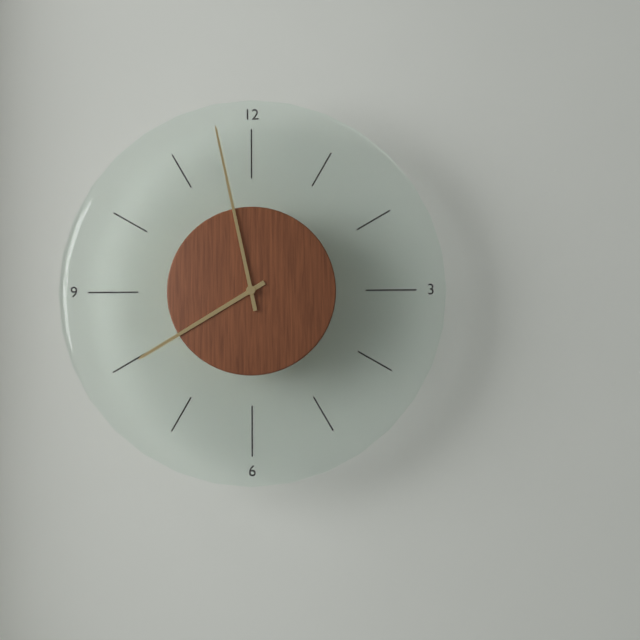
7:58
